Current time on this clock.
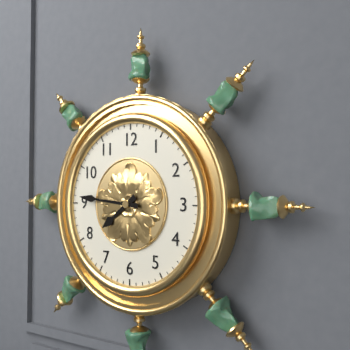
7:46
